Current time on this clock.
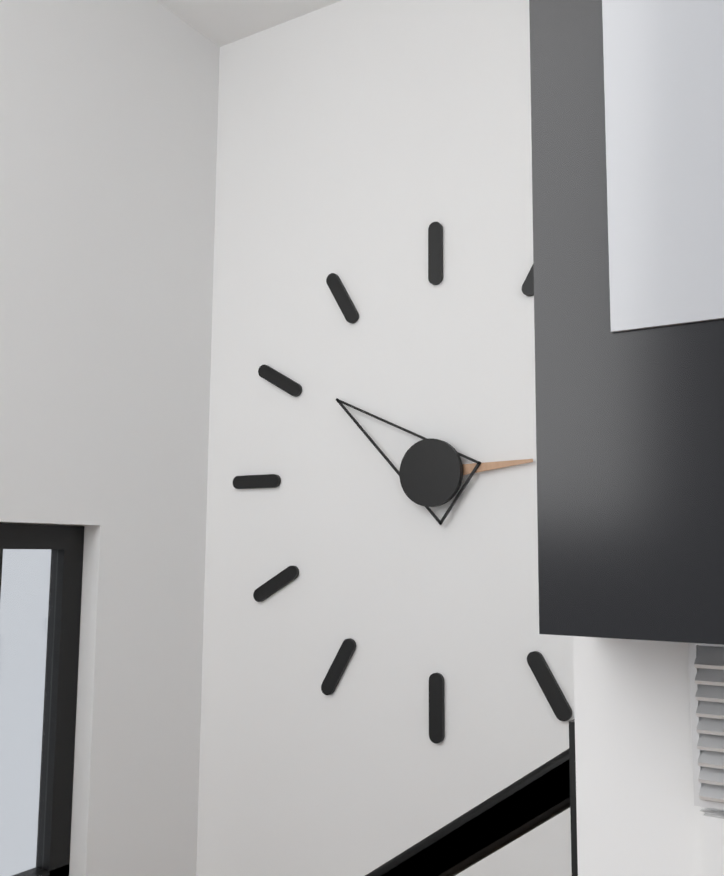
2:51
